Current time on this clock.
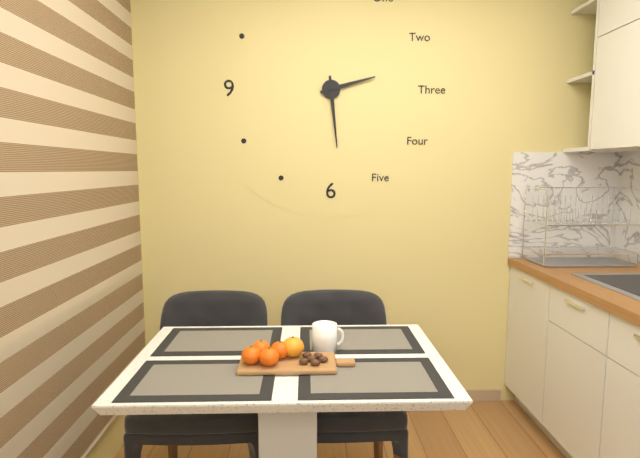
2:29
